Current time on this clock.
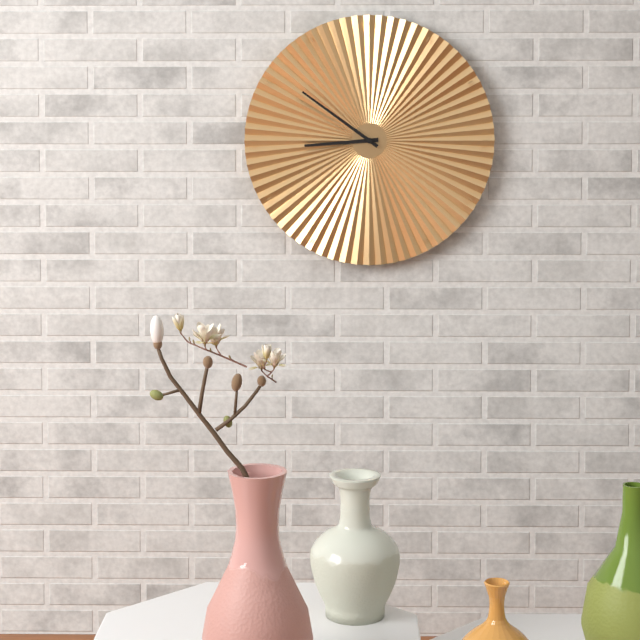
8:51
